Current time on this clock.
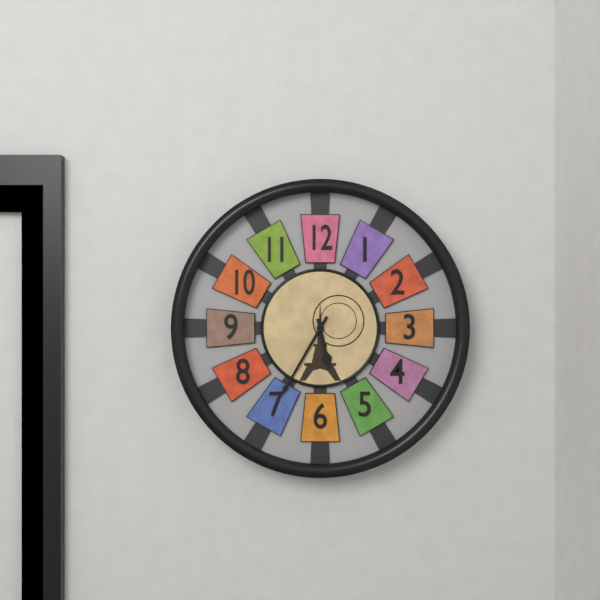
5:35
